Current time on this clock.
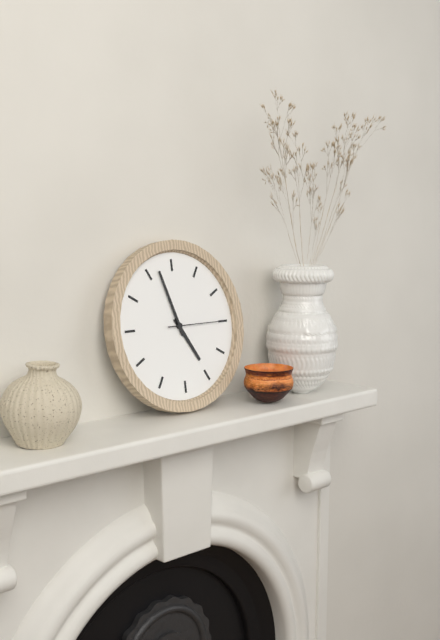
4:57:15
